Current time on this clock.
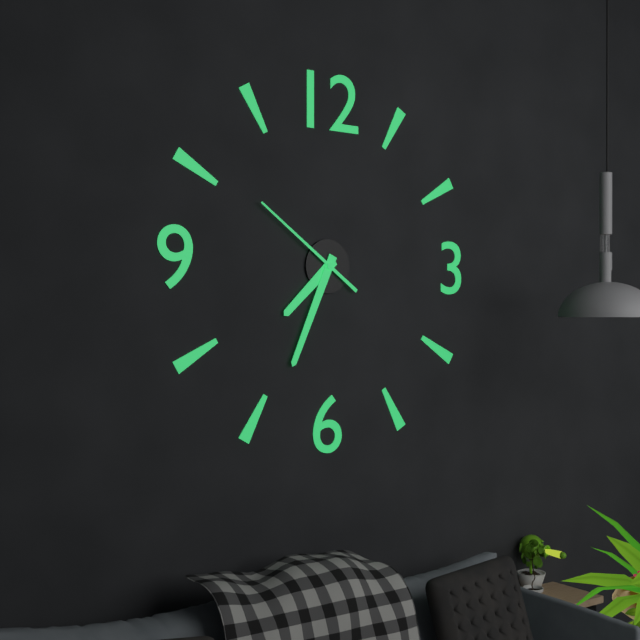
7:34:51
